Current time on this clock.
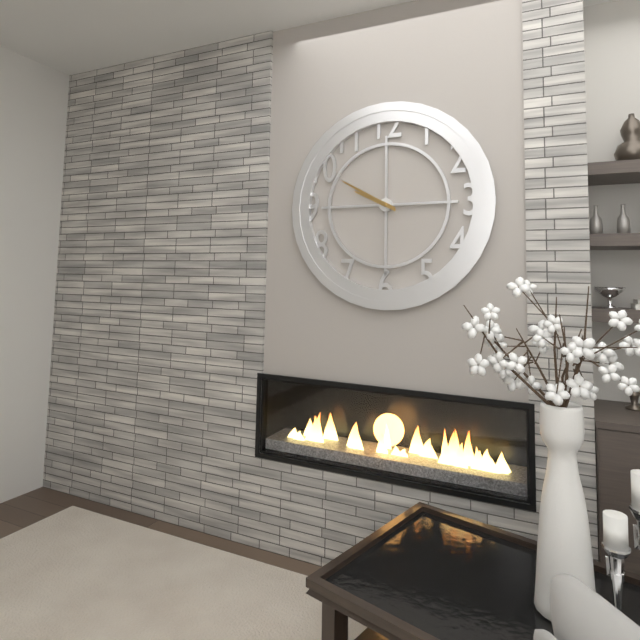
9:50
